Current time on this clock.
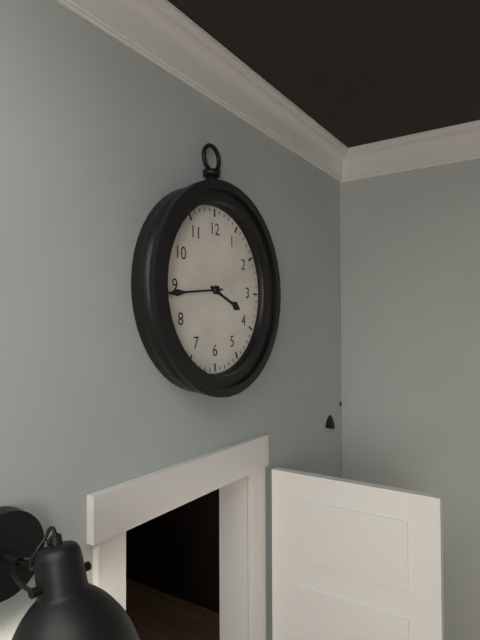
3:44
